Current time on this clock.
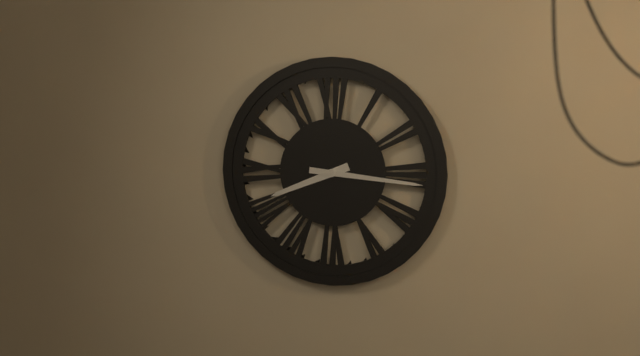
8:16
